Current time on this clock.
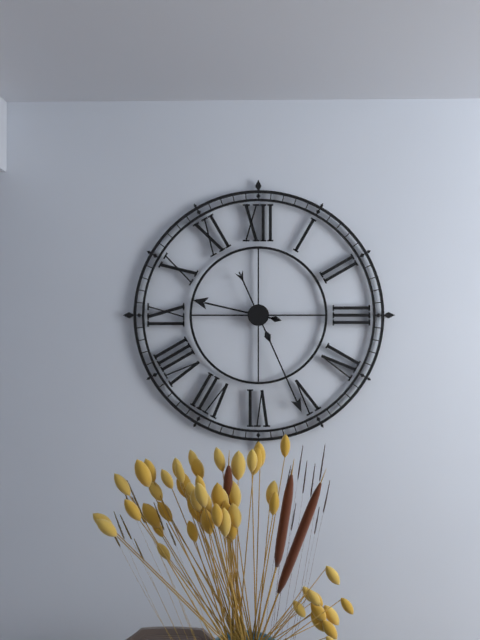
9:26
